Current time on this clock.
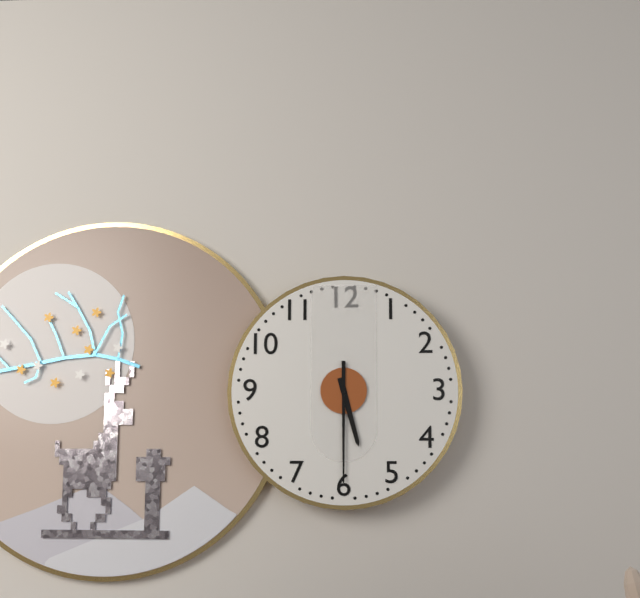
5:30
